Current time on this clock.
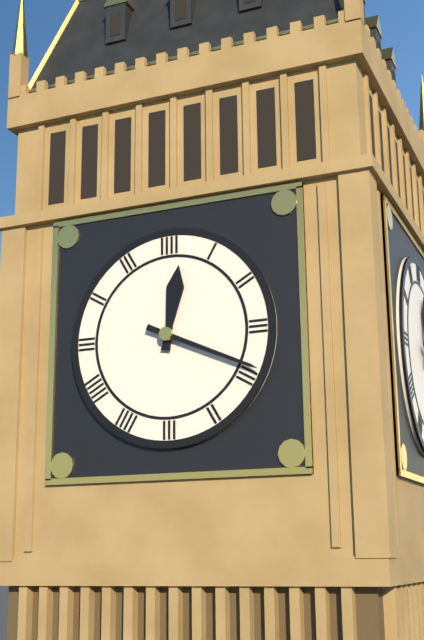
12:19
